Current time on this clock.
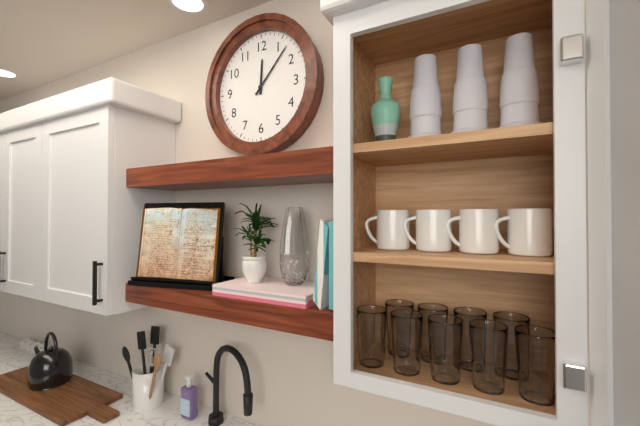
12:07
